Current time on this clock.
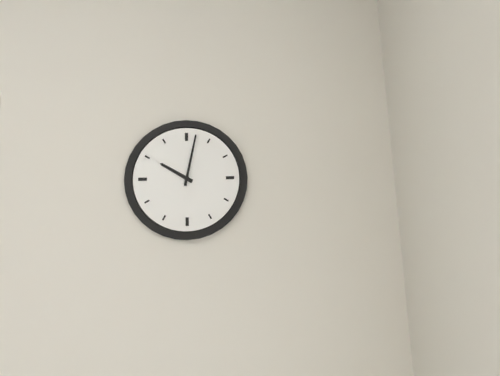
10:02
